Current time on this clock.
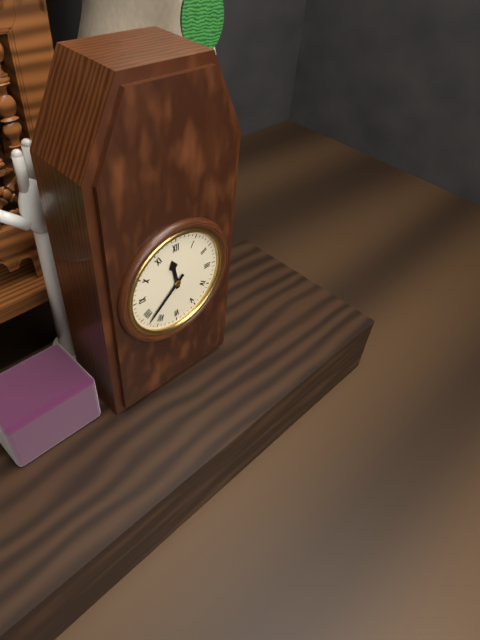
11:38
